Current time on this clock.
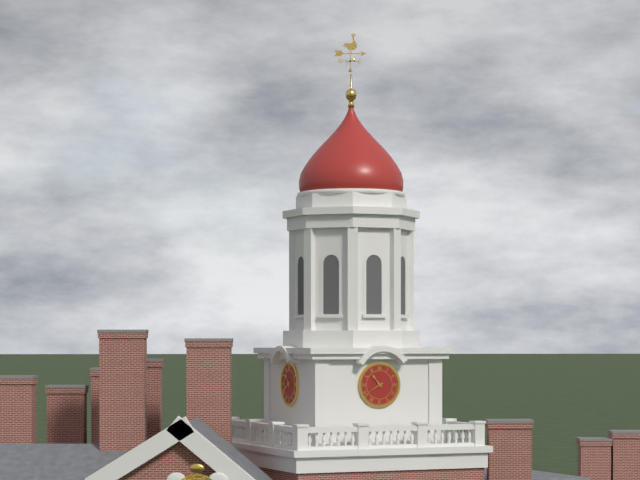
10:40
